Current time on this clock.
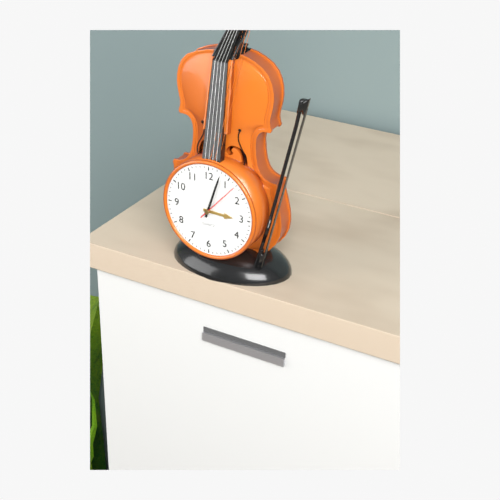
3:03
